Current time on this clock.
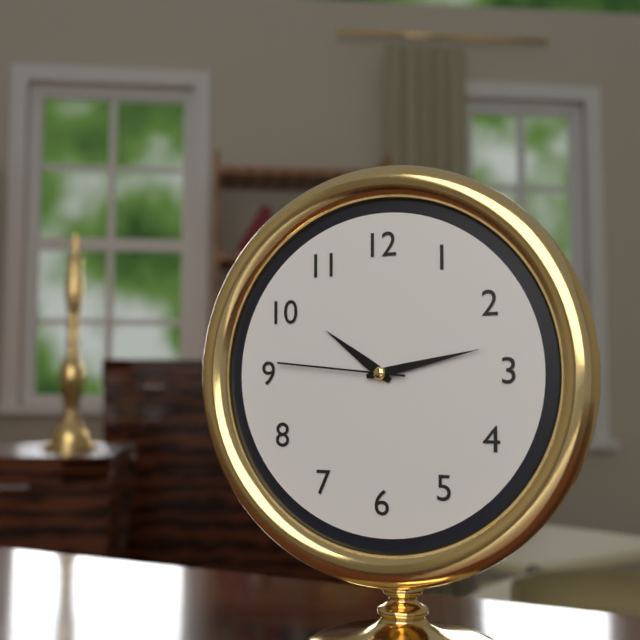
10:13:46
